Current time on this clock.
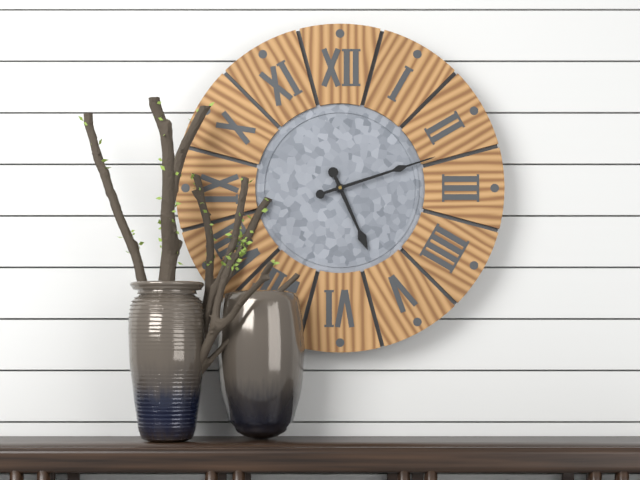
5:12
